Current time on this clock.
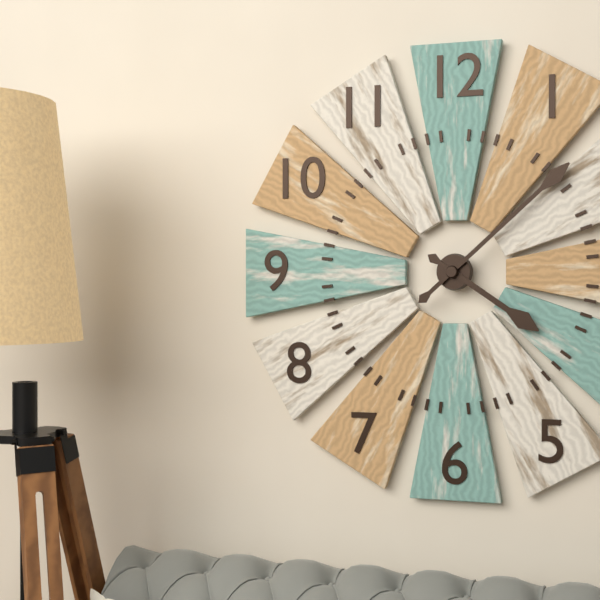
4:08
